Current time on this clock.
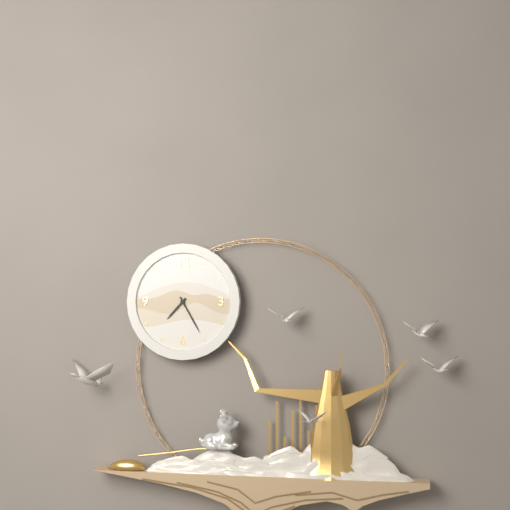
7:25
